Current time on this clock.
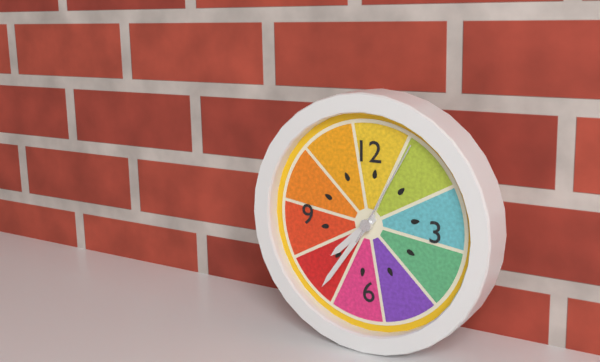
7:36:05
